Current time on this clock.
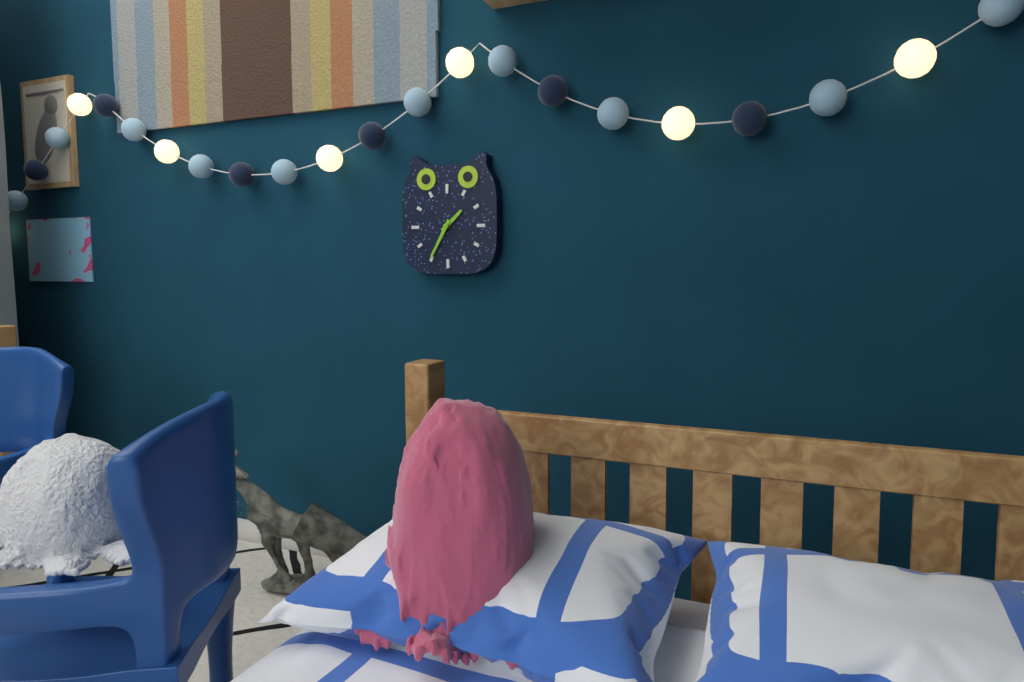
1:35
